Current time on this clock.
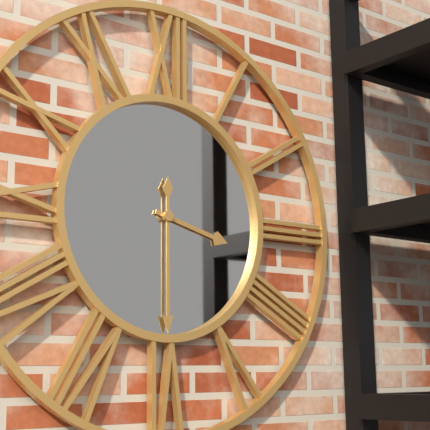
3:30
